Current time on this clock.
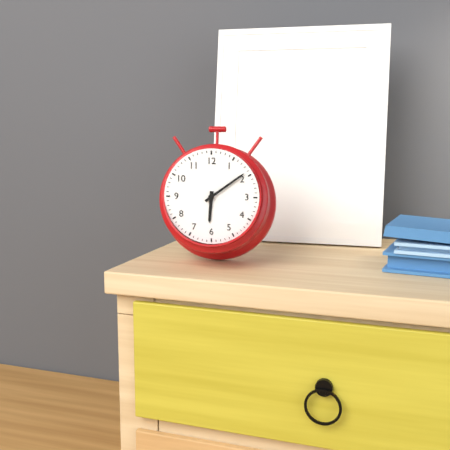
6:09
